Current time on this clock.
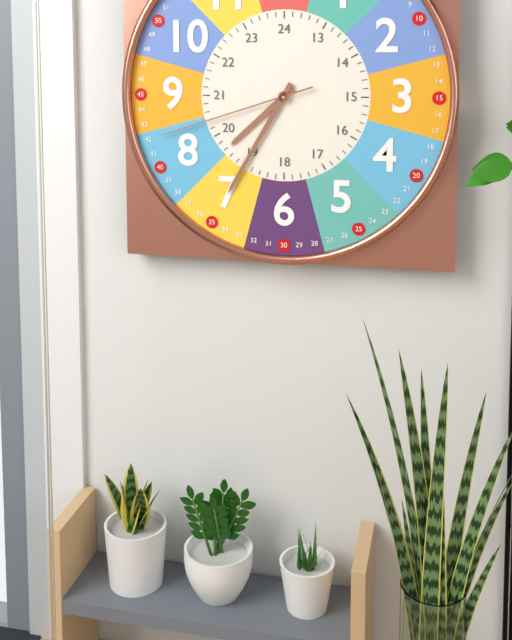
7:35:42
